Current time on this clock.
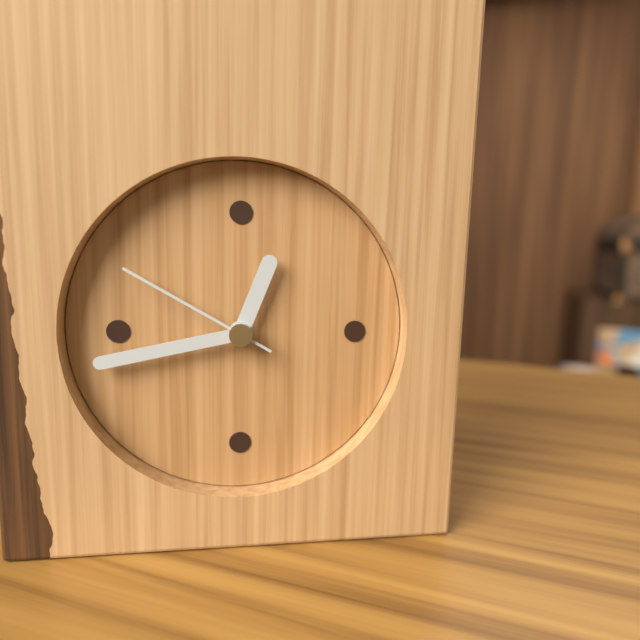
12:43:50
